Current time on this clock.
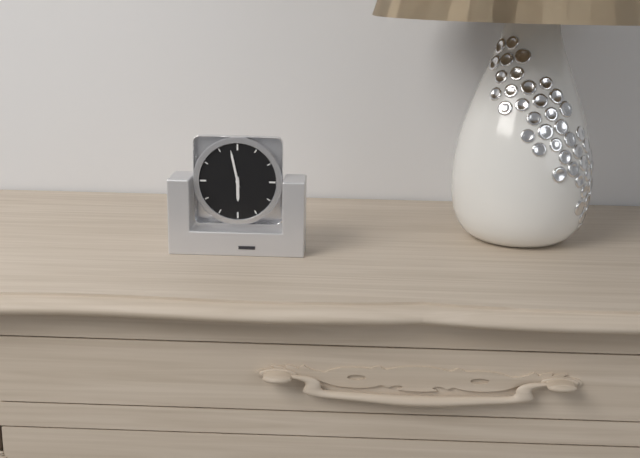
5:58
